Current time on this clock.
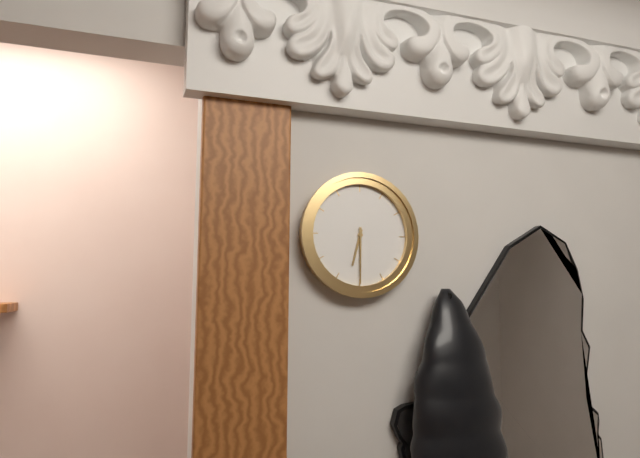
6:30
